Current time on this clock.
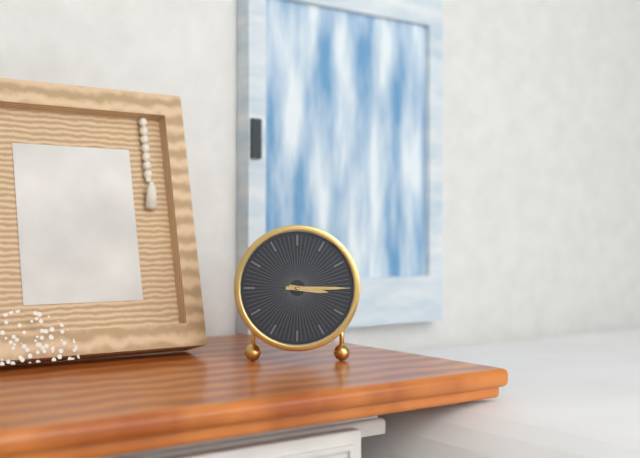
3:15
